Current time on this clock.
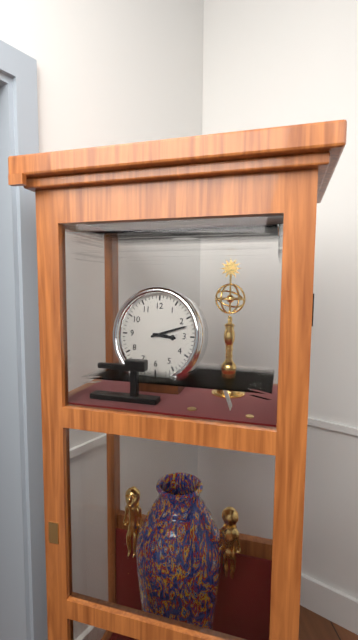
3:12
